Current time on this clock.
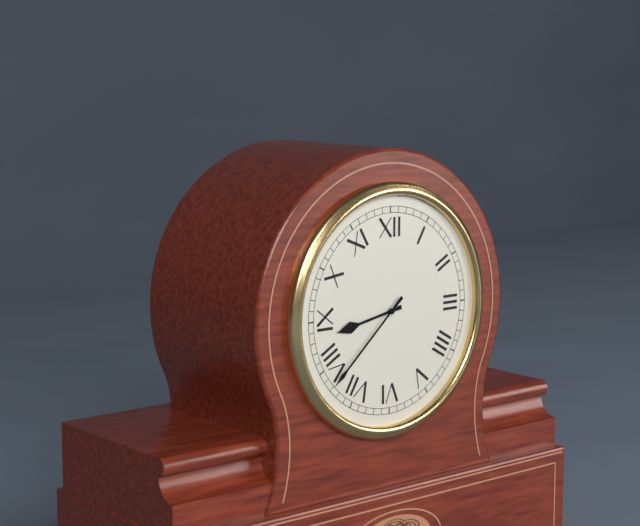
8:38
